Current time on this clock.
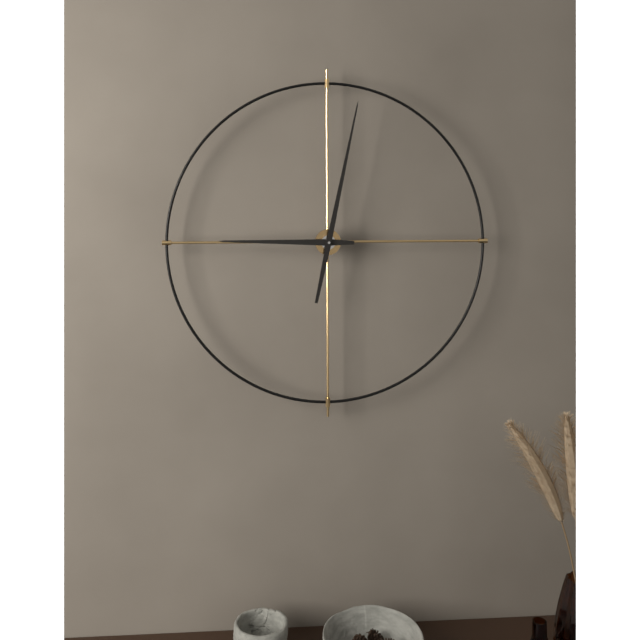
9:02
